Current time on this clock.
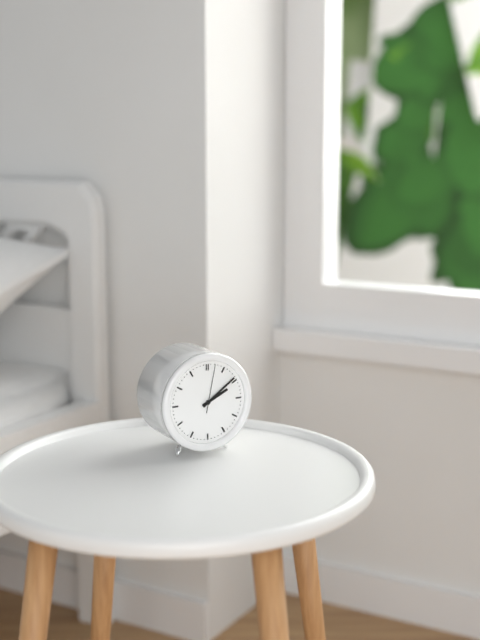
2:09
